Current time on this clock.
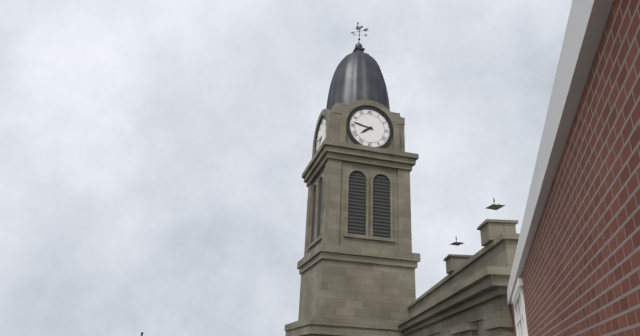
7:47
